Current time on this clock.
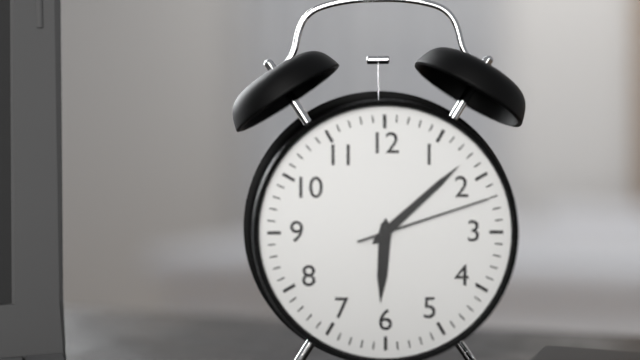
6:08:12
